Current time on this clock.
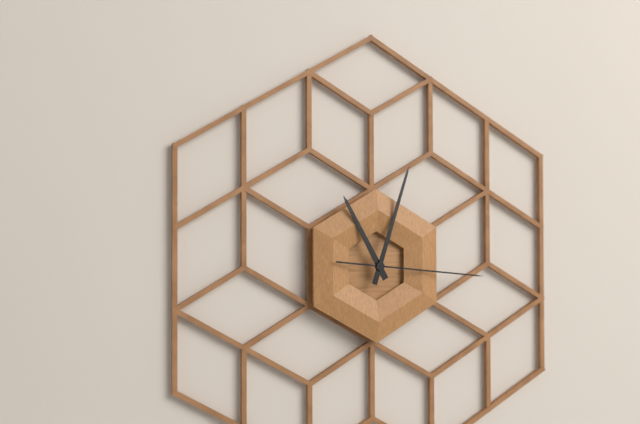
11:03:16
